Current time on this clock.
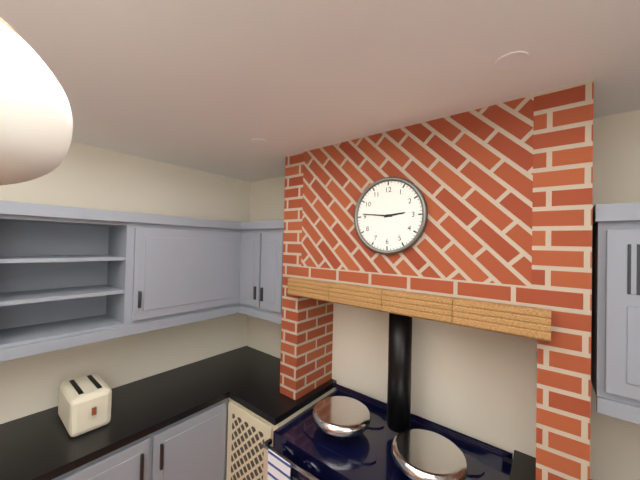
2:46
